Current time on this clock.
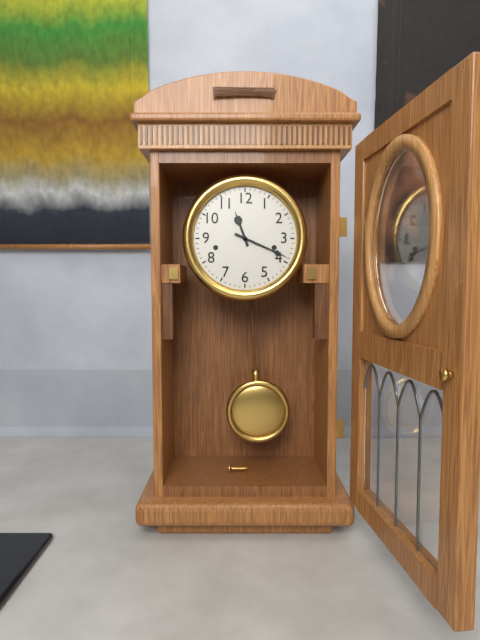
11:19
